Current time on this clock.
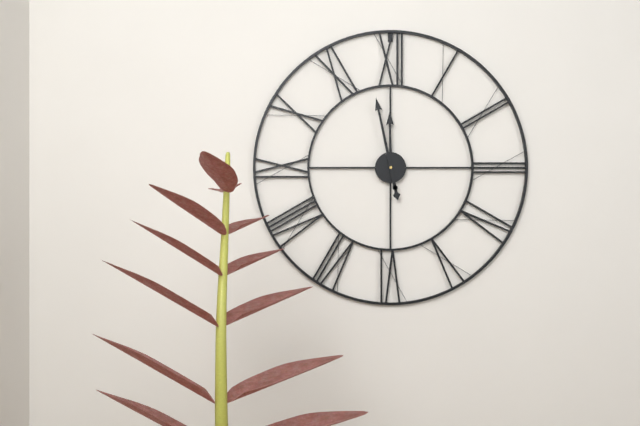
11:58
